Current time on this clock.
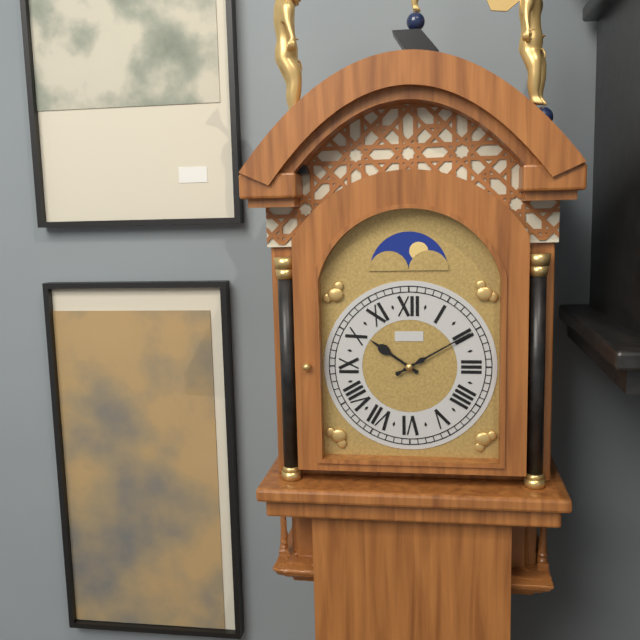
10:10
